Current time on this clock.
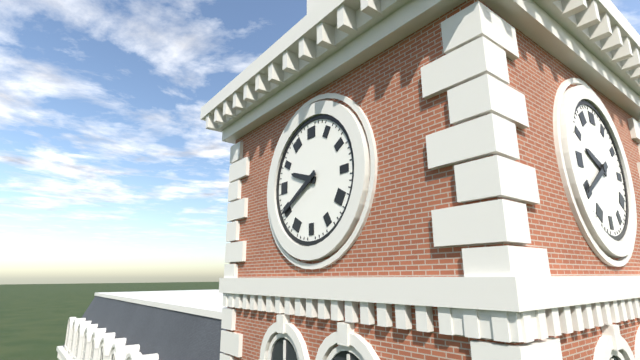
9:40
